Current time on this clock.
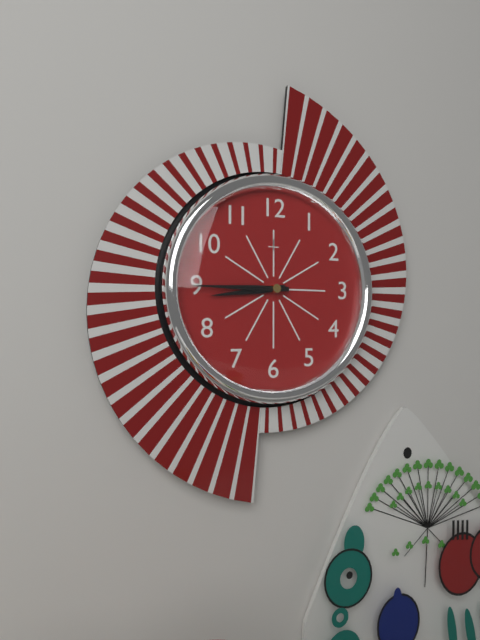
8:45
